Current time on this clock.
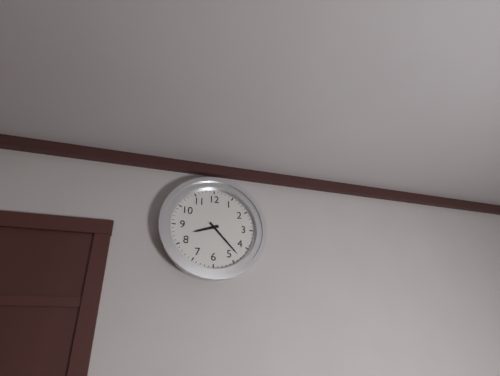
8:23
